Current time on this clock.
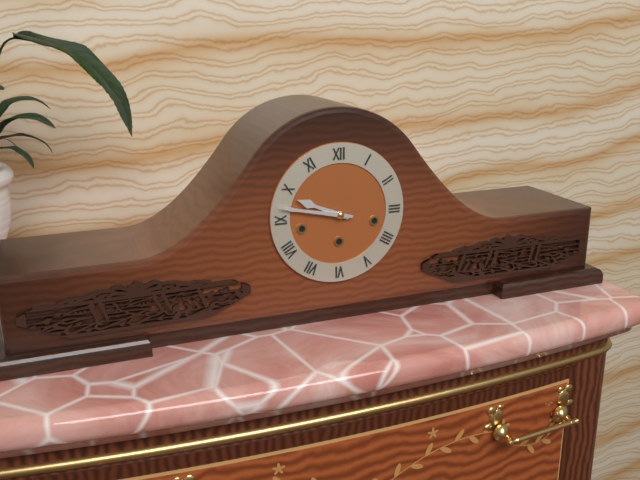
9:47
